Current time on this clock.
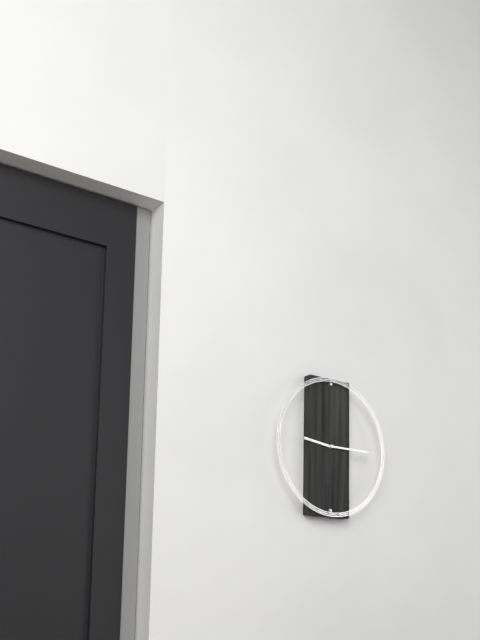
9:15
